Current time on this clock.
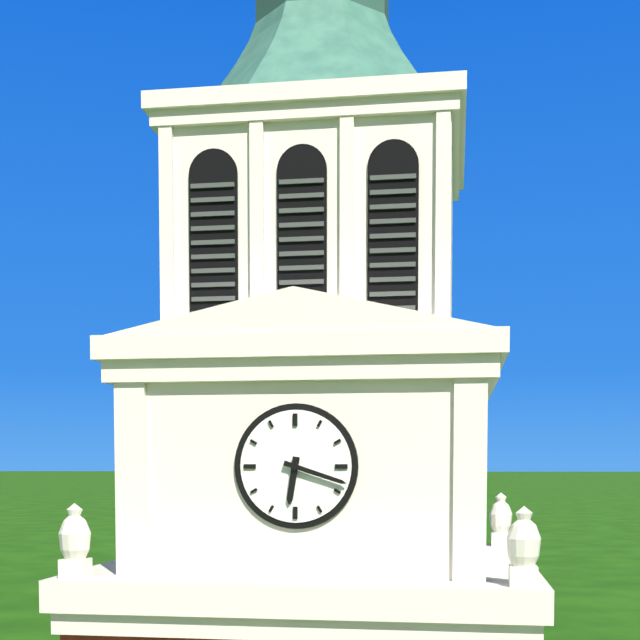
6:18
